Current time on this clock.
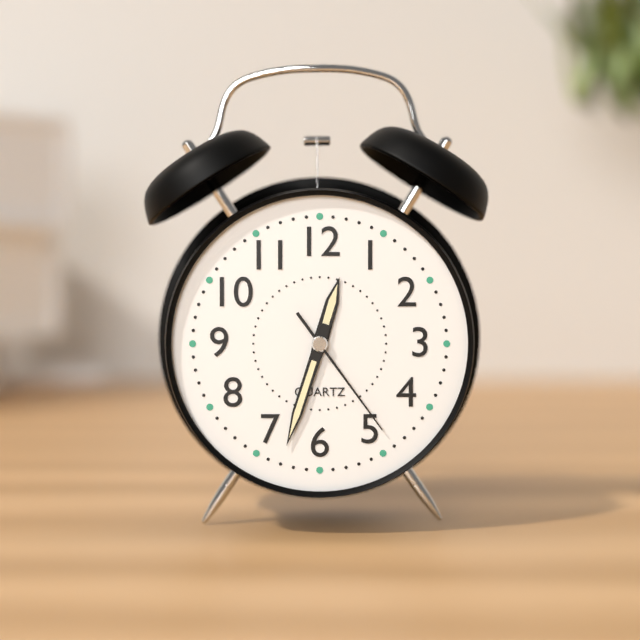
12:33:24
